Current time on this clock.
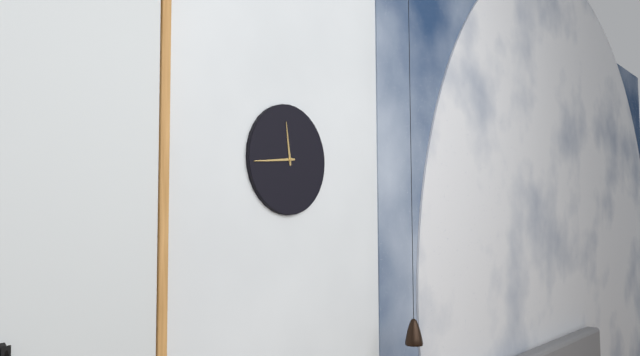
11:44
